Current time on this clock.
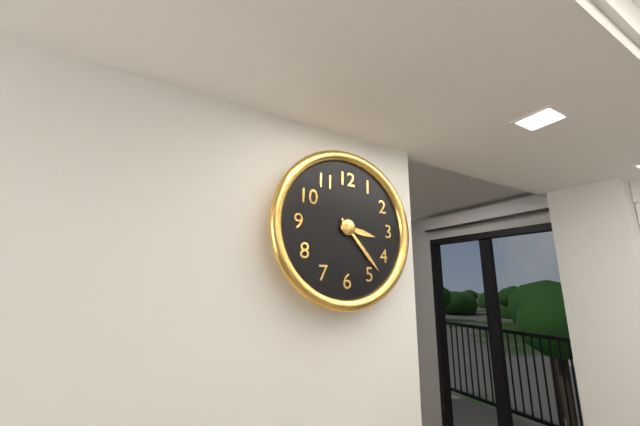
3:23
